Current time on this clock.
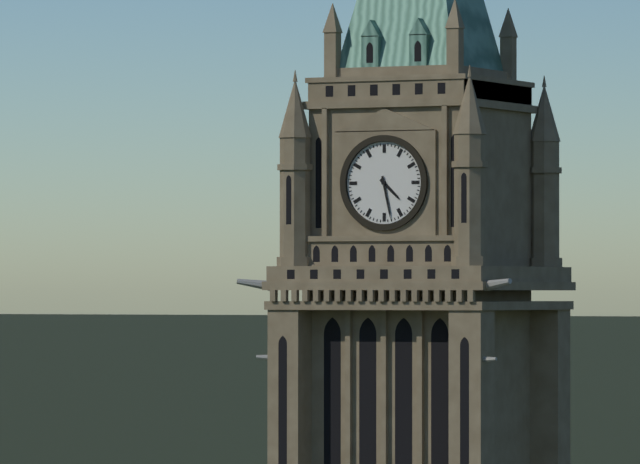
4:28
